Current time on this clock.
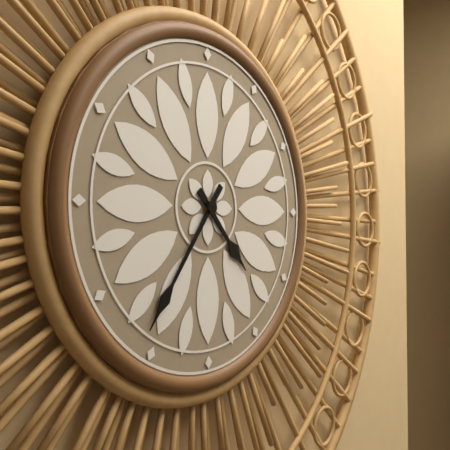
4:36
